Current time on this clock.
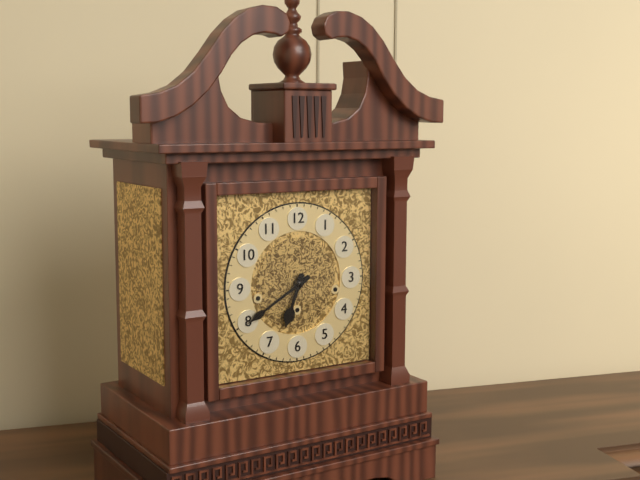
6:40
